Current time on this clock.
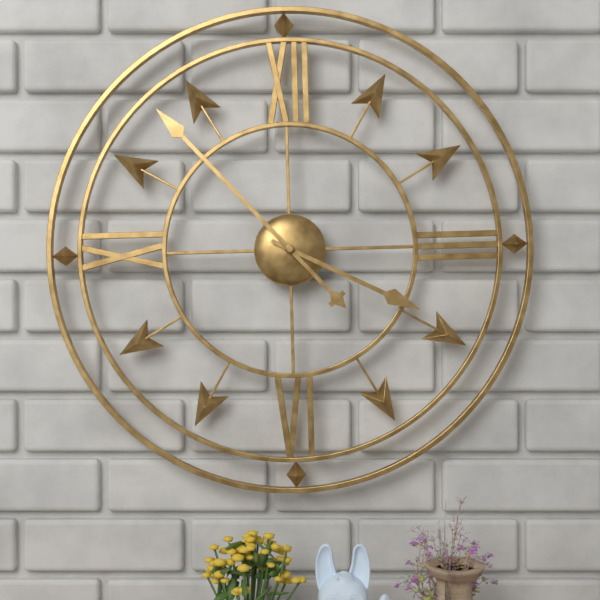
3:53
